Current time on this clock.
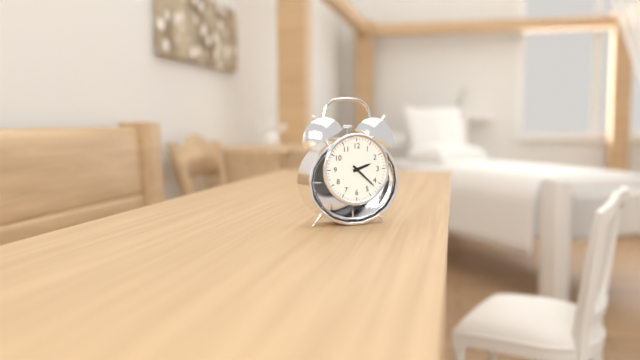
2:22
